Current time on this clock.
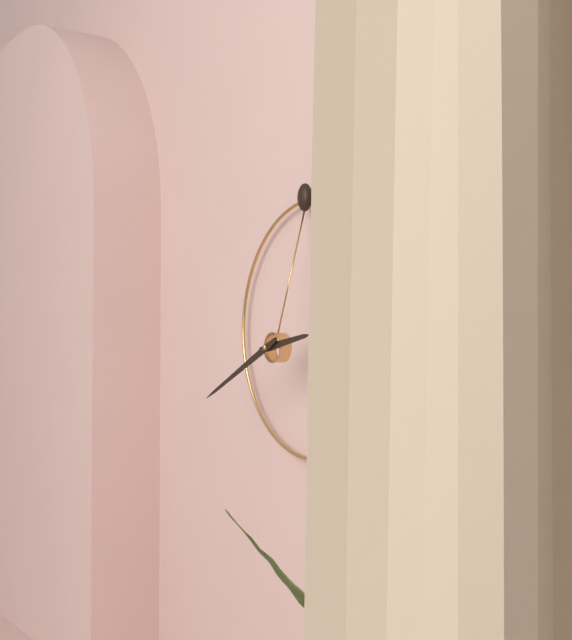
2:41
